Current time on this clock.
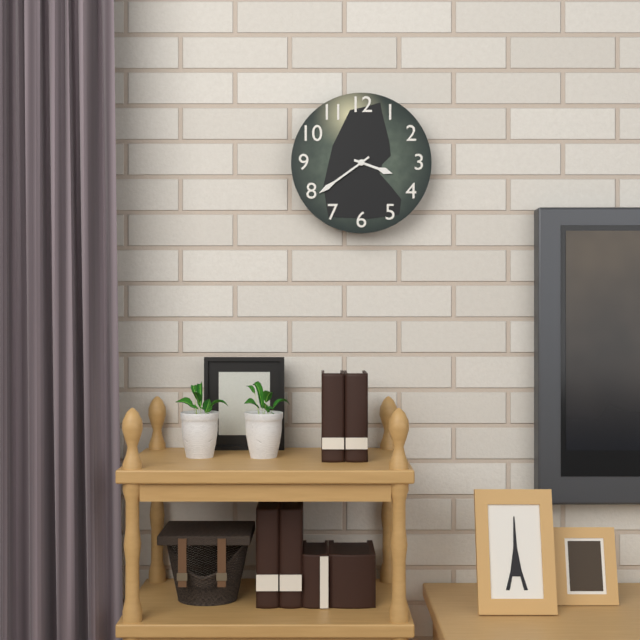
3:39
